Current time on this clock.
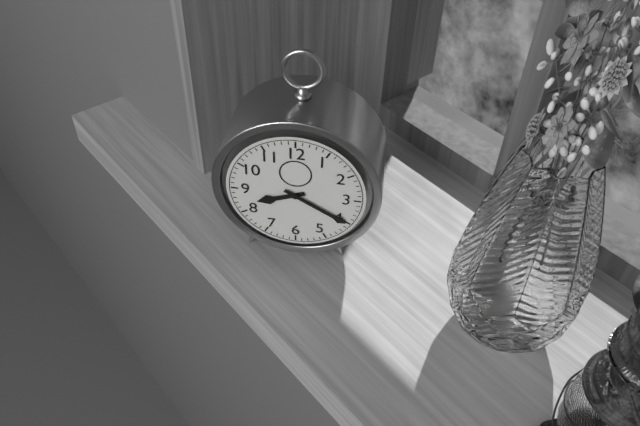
8:20
